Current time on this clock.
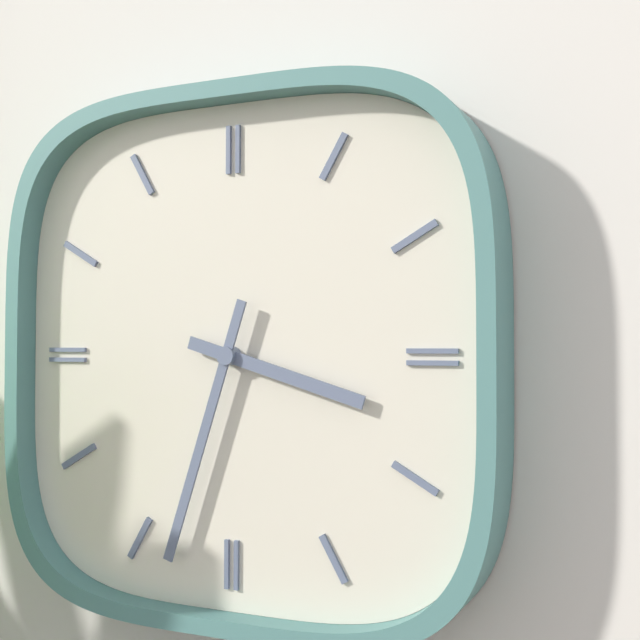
3:33
